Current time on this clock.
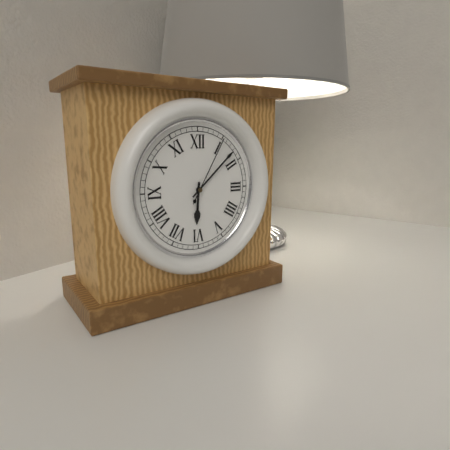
6:08:05
